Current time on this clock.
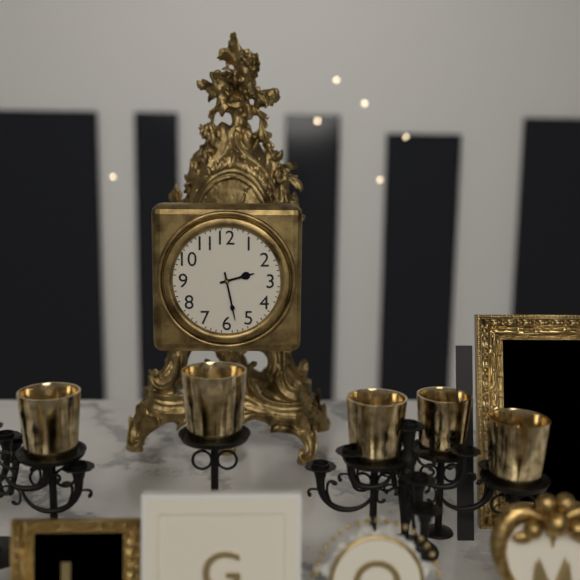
2:28
